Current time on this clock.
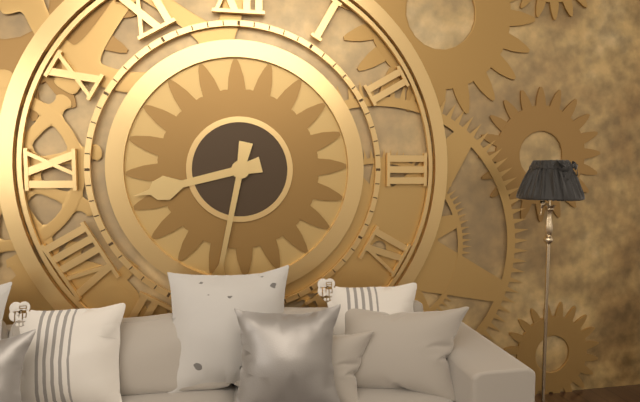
8:32
